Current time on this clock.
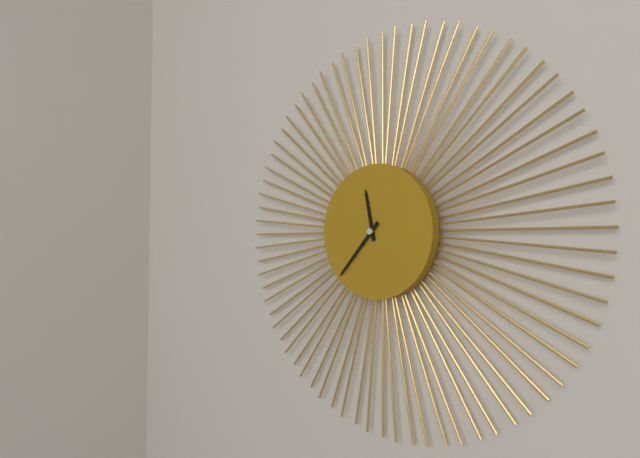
11:37
